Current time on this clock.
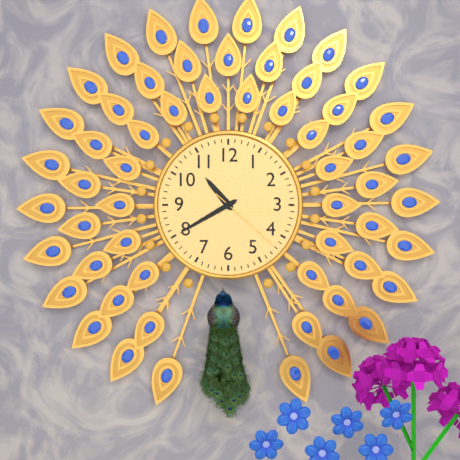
10:40:22
